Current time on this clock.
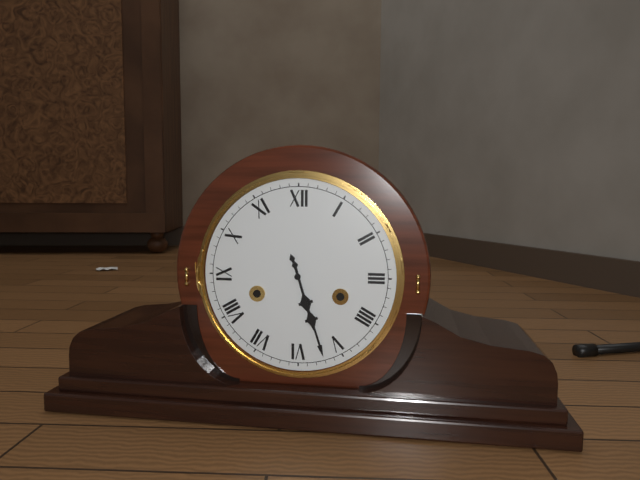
5:27
